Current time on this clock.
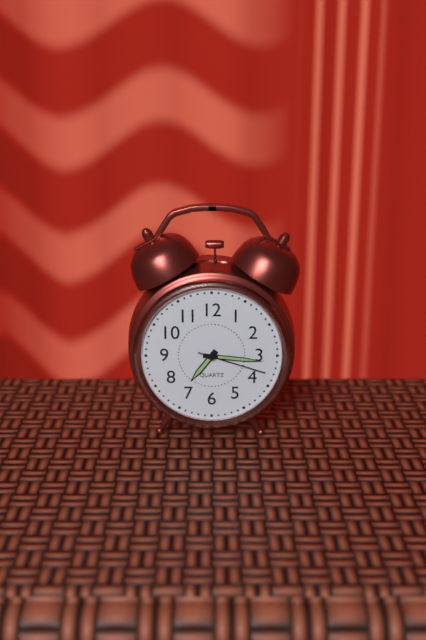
7:16:18
